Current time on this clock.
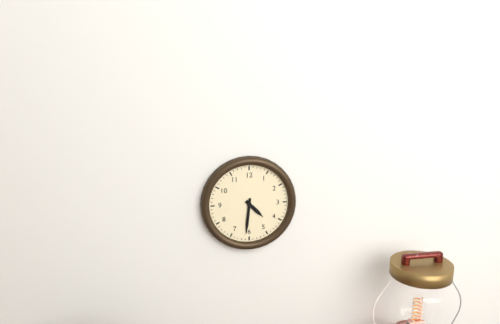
4:31
